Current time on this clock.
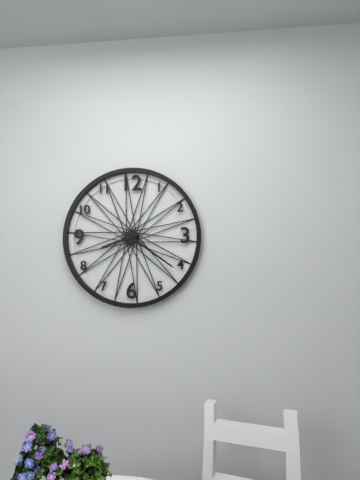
8:21
